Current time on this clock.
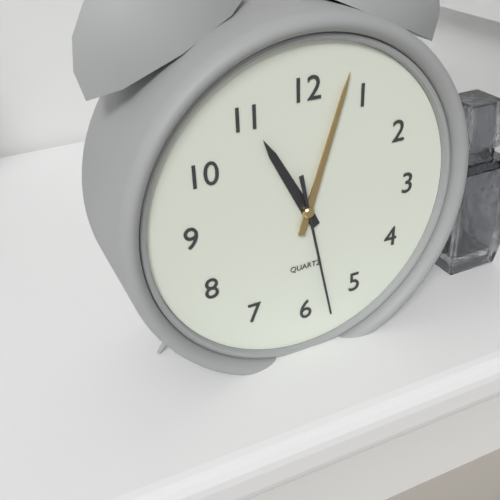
11:03:28
